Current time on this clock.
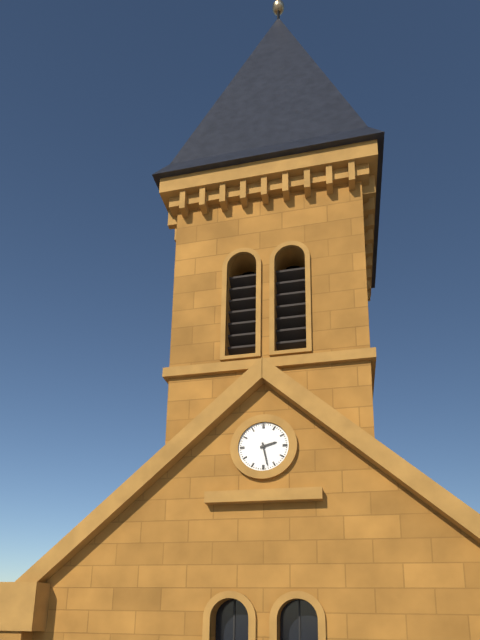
2:28
